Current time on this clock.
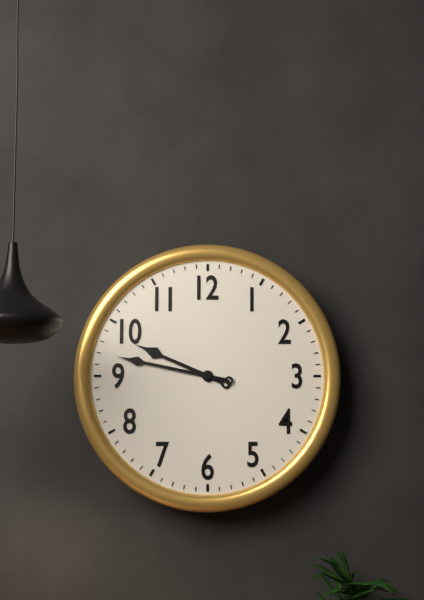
9:47
